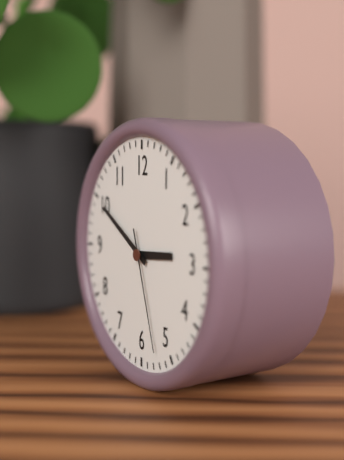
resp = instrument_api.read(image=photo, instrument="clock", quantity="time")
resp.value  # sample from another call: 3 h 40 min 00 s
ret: 2 h 50 min 27 s
